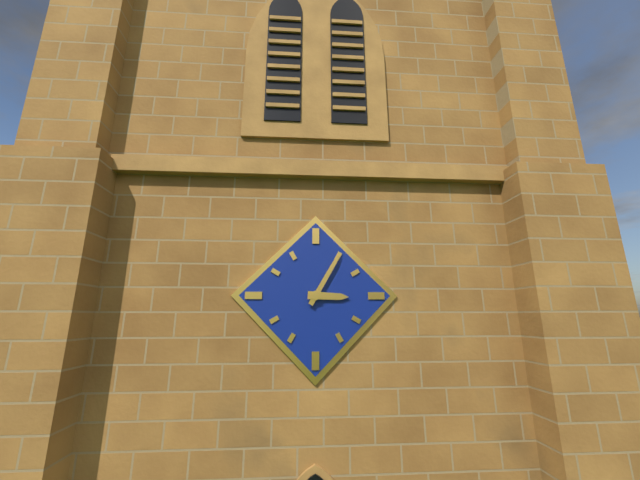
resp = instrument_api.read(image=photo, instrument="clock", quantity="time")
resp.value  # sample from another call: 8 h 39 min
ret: 3 h 05 min
